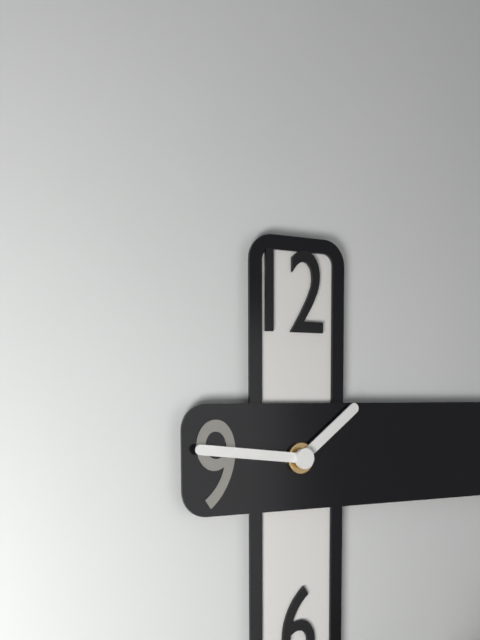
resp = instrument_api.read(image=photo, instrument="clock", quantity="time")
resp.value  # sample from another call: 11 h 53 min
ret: 1 h 46 min
